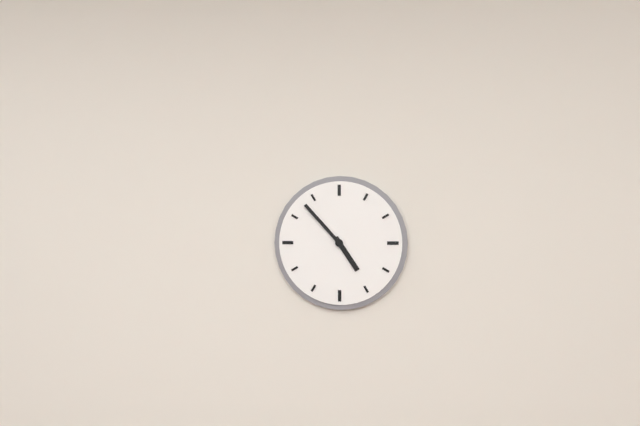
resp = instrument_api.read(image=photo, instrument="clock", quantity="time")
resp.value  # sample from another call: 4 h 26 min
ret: 4 h 53 min
